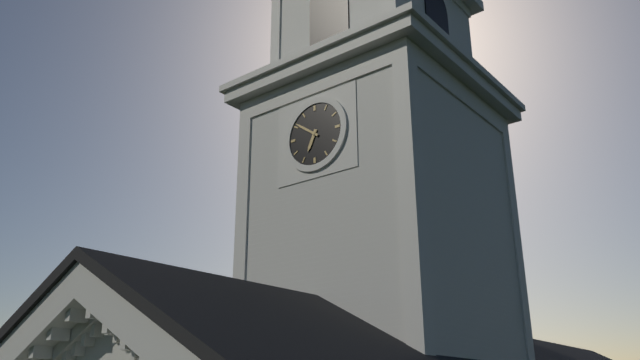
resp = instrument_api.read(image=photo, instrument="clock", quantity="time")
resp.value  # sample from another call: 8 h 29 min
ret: 6 h 51 min
